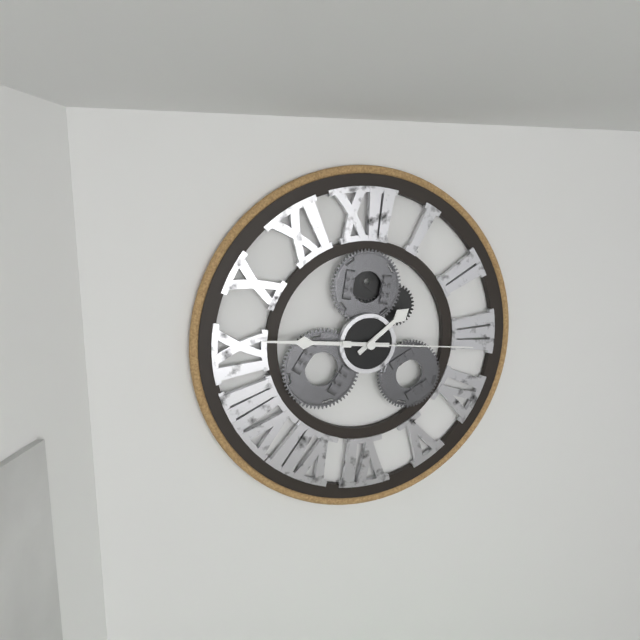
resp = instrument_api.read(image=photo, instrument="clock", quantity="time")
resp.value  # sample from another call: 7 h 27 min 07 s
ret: 1 h 46 min 16 s
